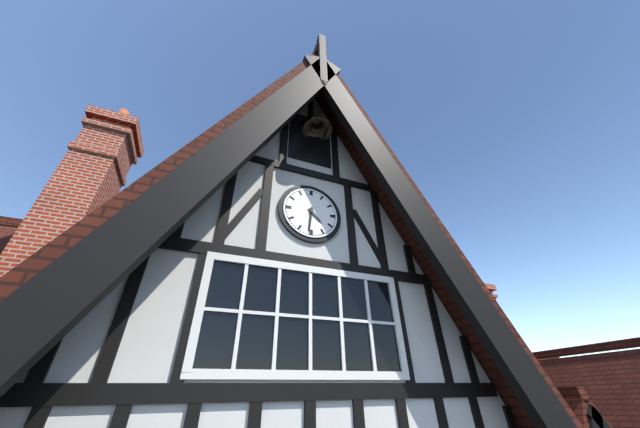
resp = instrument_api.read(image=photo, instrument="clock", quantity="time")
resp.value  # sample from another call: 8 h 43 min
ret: 4 h 31 min
